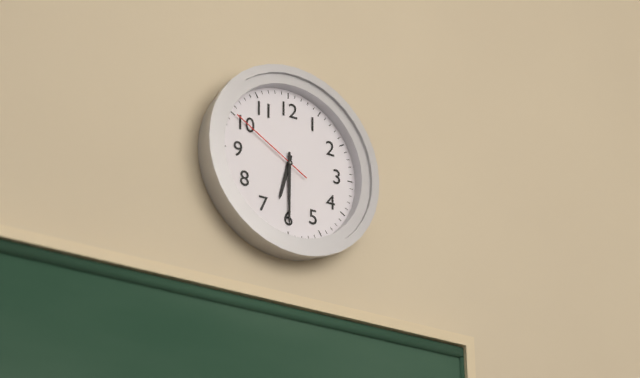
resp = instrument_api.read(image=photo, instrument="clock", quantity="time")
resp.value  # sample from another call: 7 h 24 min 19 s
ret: 6 h 30 min 50 s
